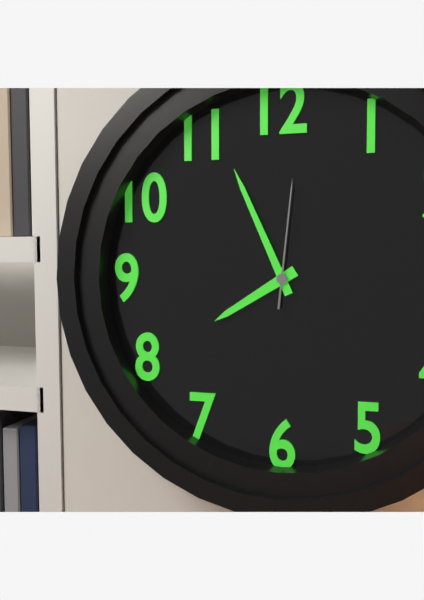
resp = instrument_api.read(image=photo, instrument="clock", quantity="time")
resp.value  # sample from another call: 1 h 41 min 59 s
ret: 7 h 56 min 01 s
